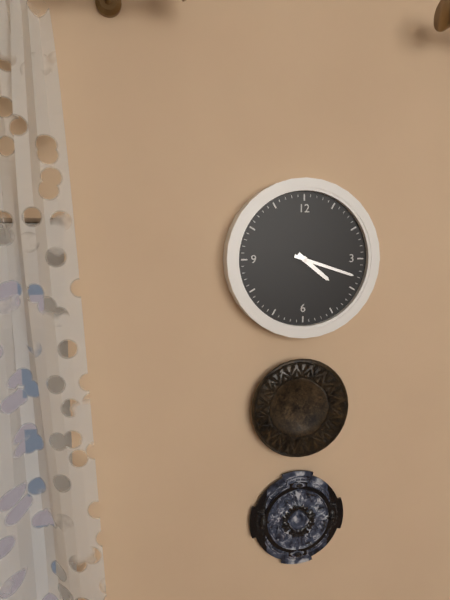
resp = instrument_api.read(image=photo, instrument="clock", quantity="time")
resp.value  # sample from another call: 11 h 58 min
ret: 4 h 18 min
